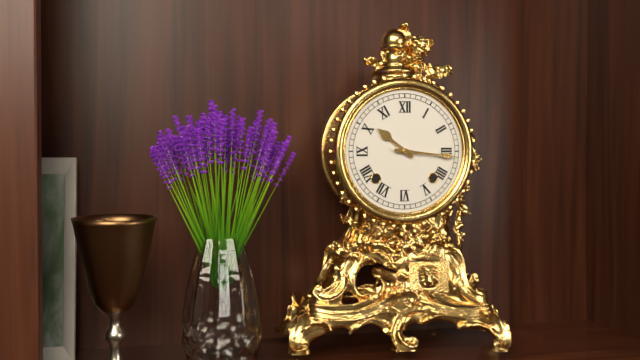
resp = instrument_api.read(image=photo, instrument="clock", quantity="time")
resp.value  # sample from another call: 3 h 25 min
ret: 10 h 16 min
